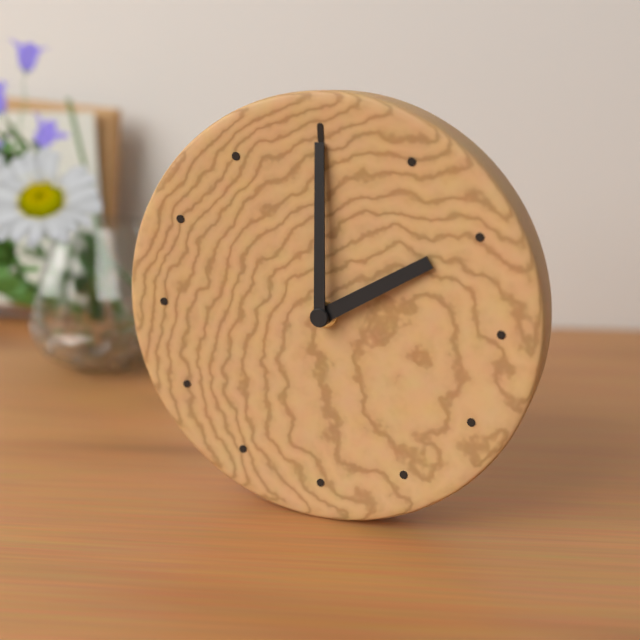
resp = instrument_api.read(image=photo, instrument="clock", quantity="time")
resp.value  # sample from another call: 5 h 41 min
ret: 2 h 00 min
